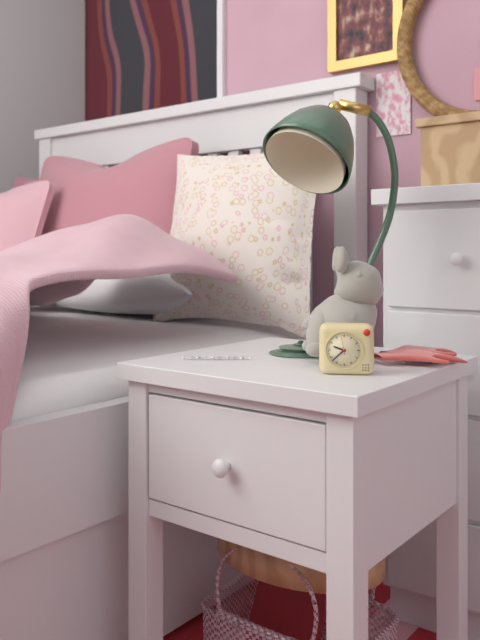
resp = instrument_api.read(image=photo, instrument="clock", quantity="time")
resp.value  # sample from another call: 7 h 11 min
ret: 9 h 38 min
